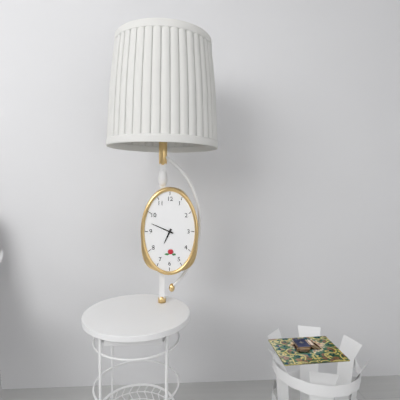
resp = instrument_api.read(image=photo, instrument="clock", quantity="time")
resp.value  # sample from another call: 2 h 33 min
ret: 6 h 49 min
